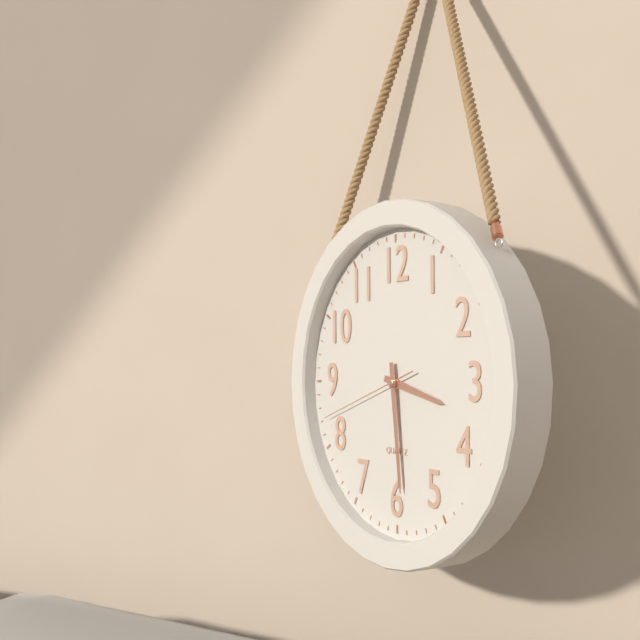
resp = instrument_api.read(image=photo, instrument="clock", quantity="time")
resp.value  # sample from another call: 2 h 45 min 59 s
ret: 3 h 29 min 42 s
